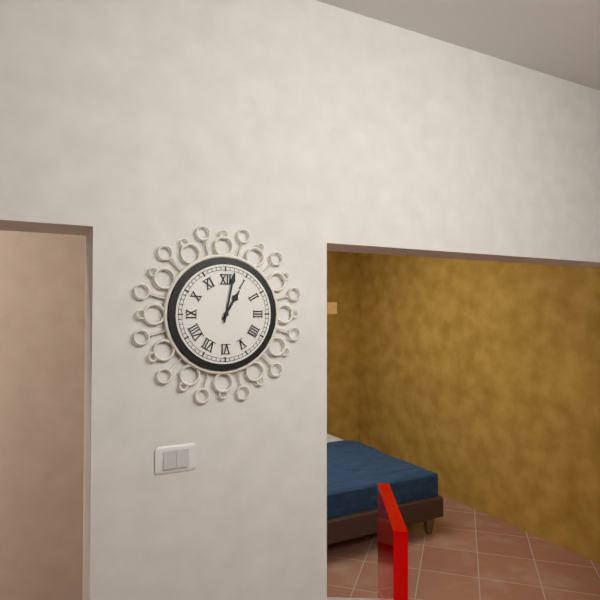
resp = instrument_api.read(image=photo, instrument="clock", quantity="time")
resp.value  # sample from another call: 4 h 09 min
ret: 1 h 02 min
